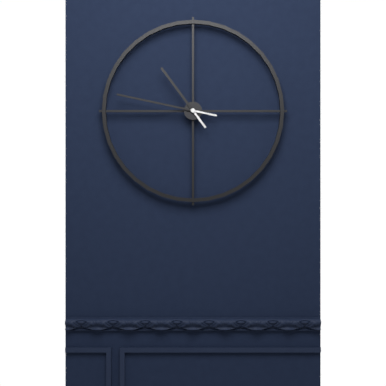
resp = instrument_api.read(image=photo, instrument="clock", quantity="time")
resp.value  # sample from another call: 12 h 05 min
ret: 10 h 47 min
